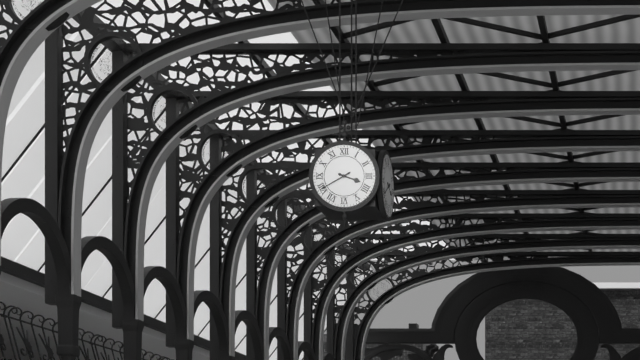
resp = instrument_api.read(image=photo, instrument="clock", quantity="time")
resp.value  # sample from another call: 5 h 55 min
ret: 3 h 40 min
